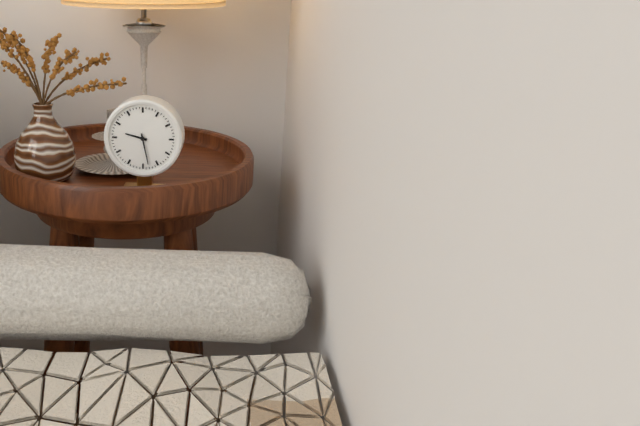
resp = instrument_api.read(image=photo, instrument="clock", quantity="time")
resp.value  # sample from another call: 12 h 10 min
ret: 9 h 28 min
